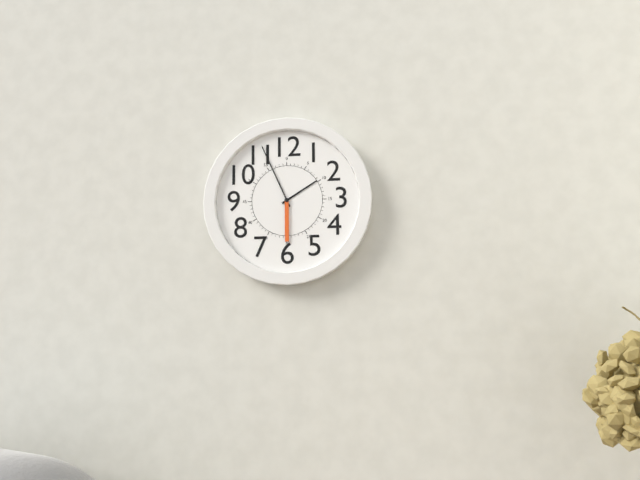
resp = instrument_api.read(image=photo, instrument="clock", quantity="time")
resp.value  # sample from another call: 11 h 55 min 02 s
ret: 1 h 56 min 30 s
